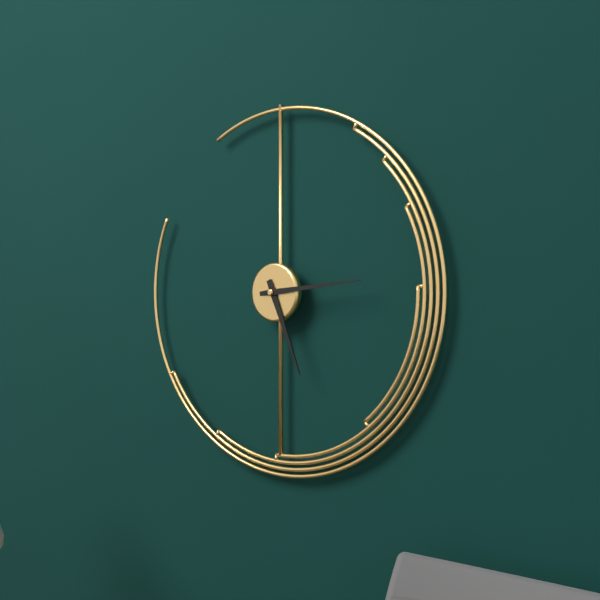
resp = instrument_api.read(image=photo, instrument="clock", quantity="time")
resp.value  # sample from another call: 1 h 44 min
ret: 5 h 14 min
